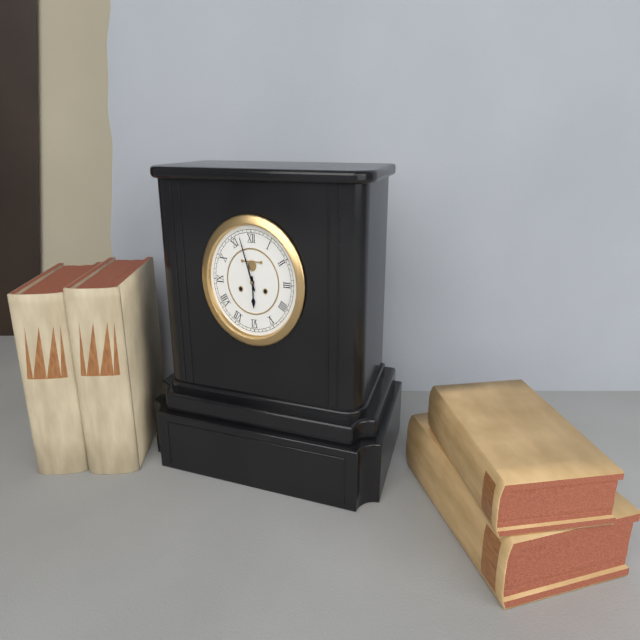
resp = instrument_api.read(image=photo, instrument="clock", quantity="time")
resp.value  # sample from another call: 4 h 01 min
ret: 5 h 57 min
